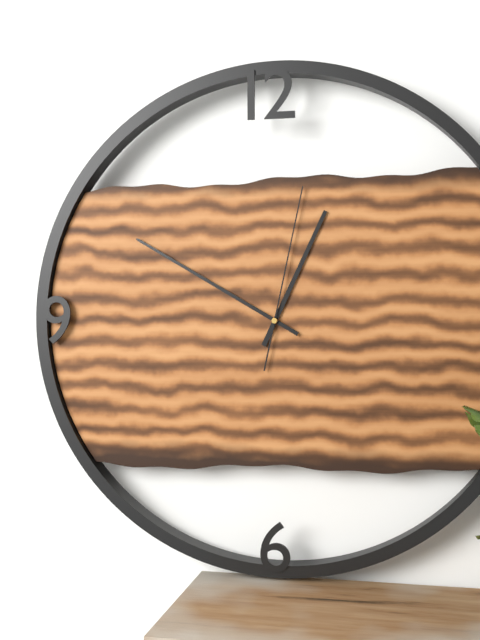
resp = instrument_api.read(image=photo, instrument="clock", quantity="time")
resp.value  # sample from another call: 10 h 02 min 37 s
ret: 12 h 50 min 02 s
